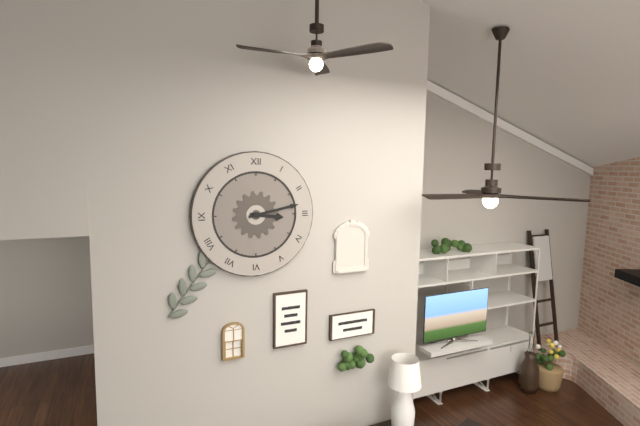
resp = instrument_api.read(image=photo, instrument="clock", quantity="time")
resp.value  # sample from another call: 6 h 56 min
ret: 3 h 13 min
